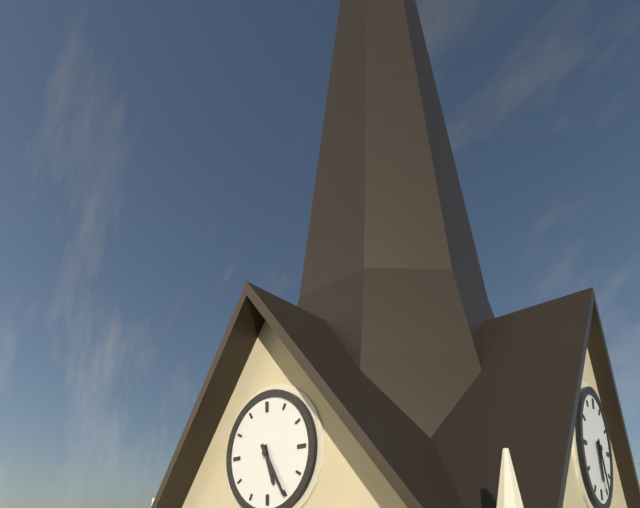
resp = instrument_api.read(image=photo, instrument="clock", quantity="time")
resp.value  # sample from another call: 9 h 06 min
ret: 5 h 25 min
